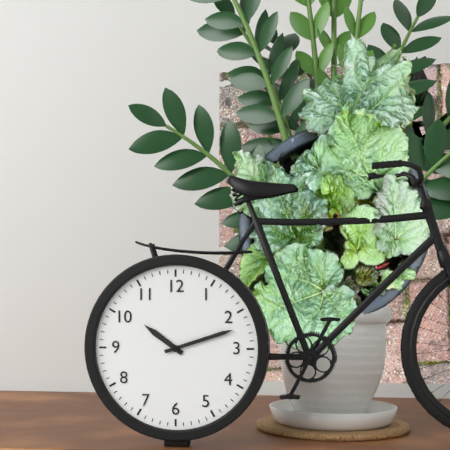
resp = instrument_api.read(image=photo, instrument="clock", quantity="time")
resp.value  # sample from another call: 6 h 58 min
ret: 10 h 12 min
